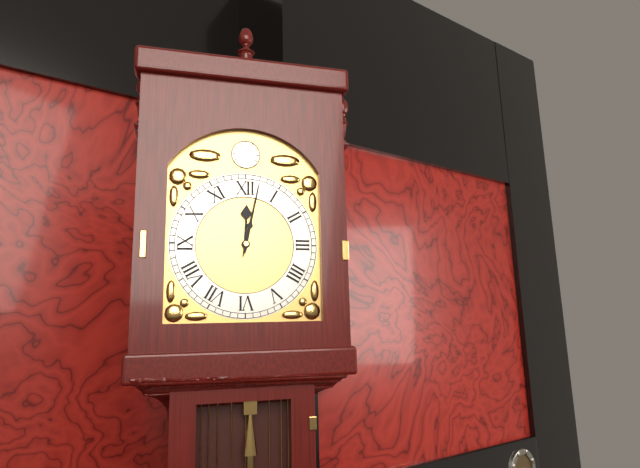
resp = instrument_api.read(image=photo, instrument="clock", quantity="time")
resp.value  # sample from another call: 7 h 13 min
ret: 12 h 02 min
